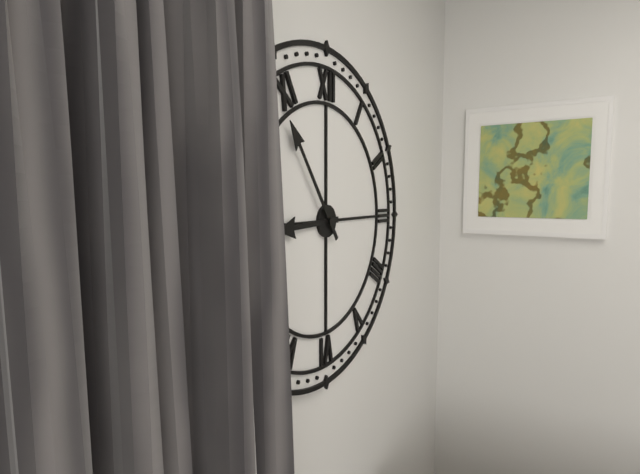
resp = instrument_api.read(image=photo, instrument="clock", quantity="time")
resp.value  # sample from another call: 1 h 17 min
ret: 8 h 54 min
